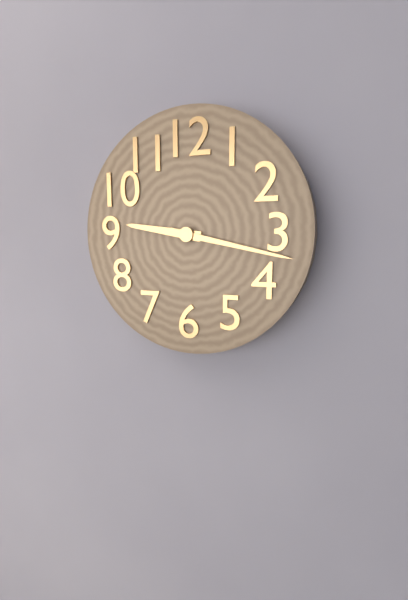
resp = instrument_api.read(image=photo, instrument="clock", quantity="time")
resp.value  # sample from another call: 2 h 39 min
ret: 9 h 17 min
